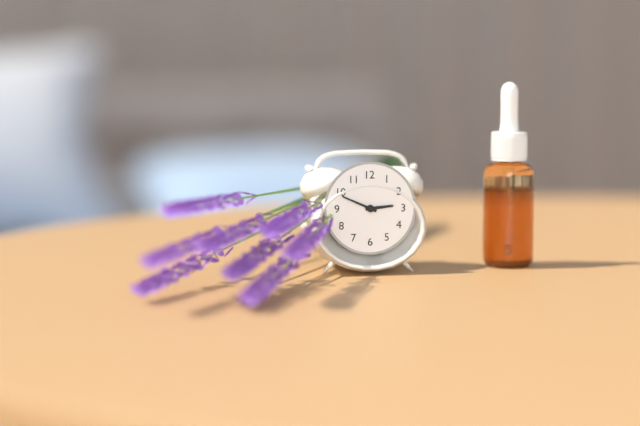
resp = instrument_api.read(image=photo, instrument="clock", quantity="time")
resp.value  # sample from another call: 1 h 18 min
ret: 2 h 49 min
